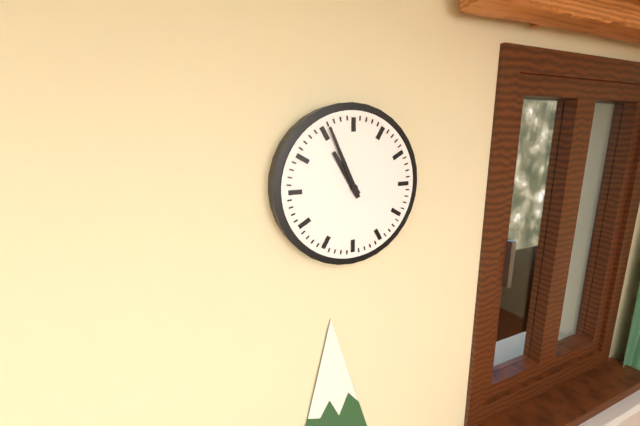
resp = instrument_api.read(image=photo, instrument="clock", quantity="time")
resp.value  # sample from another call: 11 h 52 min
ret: 10 h 56 min
